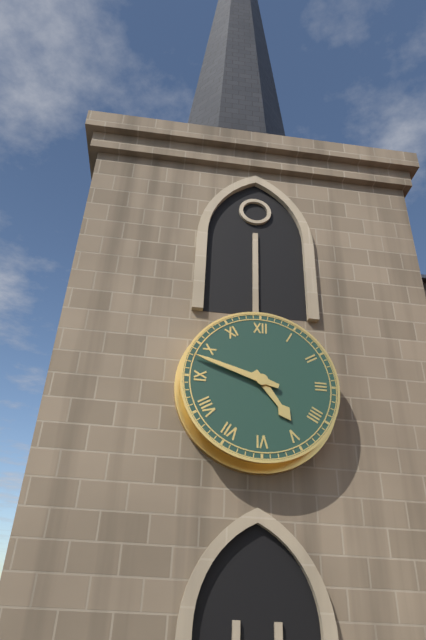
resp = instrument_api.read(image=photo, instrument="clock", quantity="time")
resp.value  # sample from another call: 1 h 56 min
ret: 4 h 48 min
